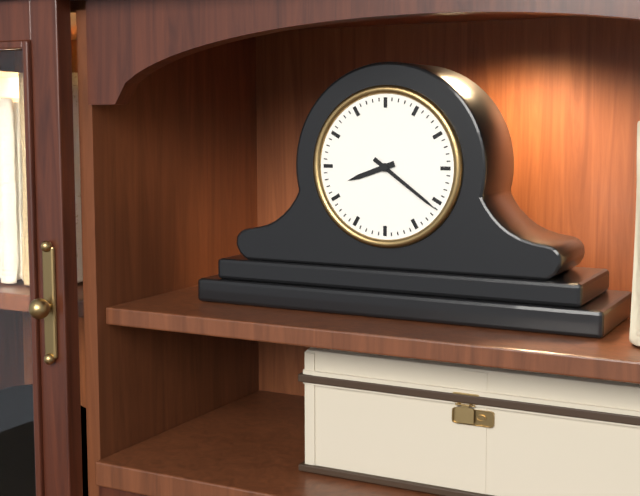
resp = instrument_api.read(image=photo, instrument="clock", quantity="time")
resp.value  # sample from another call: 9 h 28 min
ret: 8 h 21 min
